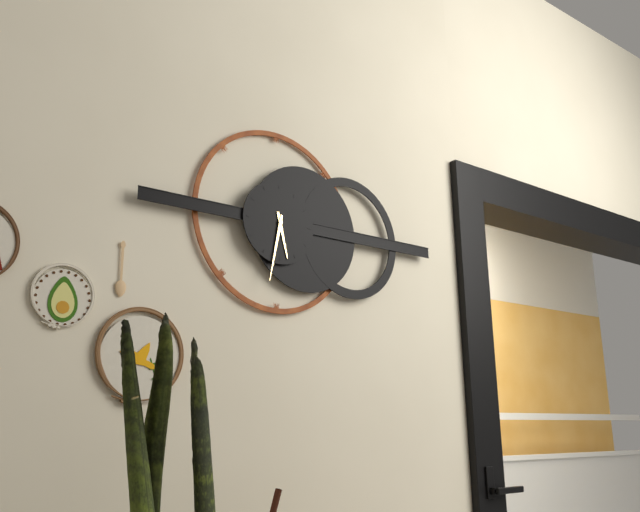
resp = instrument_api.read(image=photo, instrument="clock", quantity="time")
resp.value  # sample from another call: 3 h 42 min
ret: 5 h 32 min
